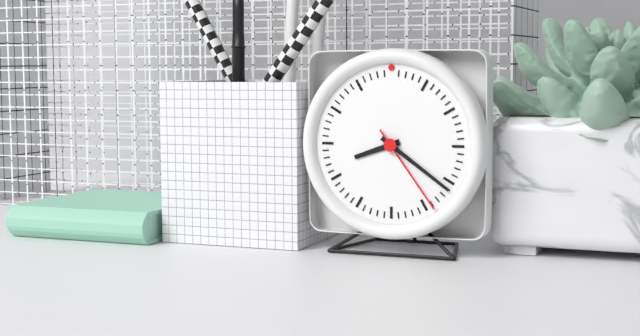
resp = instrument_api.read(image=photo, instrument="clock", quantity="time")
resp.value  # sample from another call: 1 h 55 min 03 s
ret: 8 h 21 min 24 s
